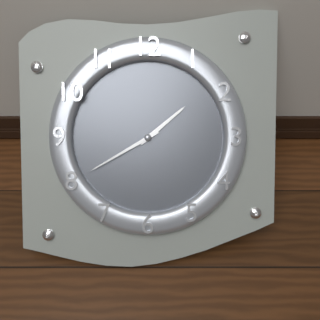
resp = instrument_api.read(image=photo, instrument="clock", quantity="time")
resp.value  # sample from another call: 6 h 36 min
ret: 1 h 40 min
